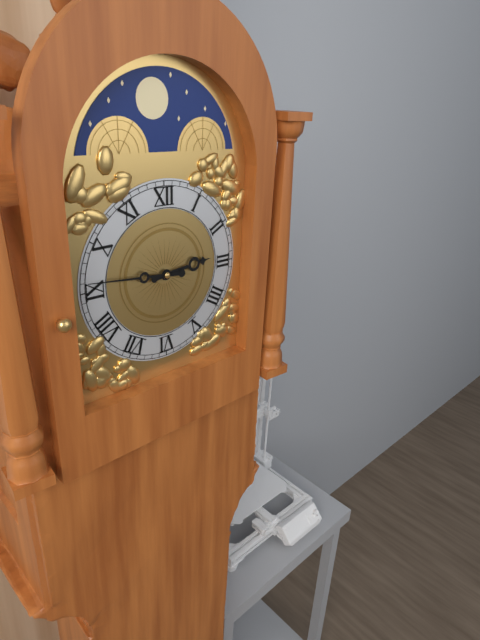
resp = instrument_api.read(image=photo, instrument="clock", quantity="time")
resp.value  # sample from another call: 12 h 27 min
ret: 2 h 46 min
